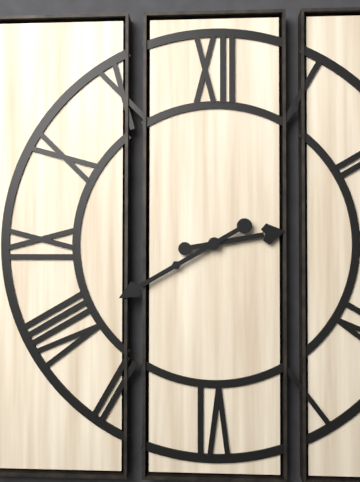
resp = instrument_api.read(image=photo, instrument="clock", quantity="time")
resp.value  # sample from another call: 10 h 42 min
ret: 2 h 40 min
